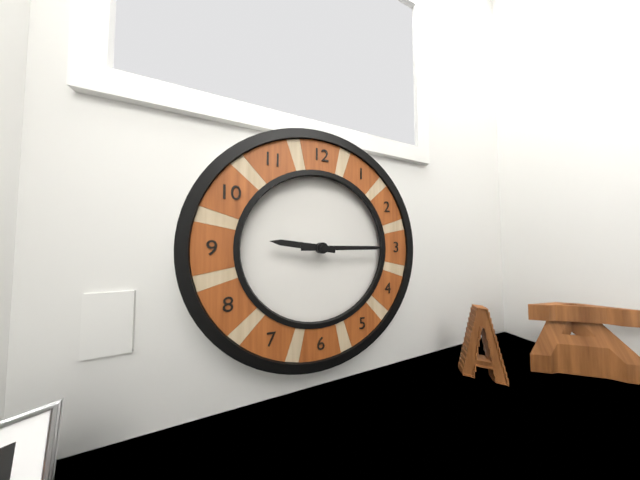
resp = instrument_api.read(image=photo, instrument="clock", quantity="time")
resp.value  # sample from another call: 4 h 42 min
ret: 9 h 15 min
